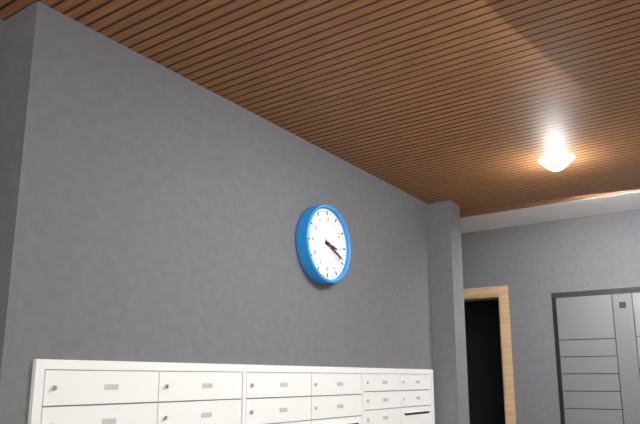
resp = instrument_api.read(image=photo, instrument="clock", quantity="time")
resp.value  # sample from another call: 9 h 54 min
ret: 3 h 19 min
